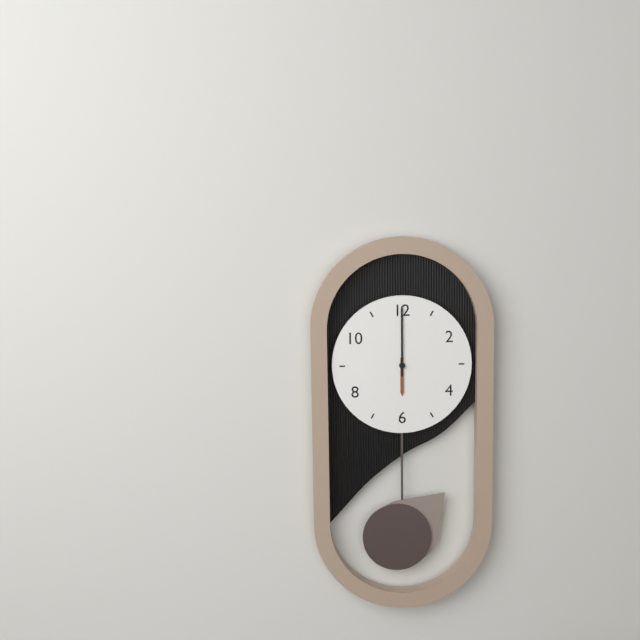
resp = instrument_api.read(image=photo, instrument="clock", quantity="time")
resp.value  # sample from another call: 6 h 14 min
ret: 6 h 00 min
